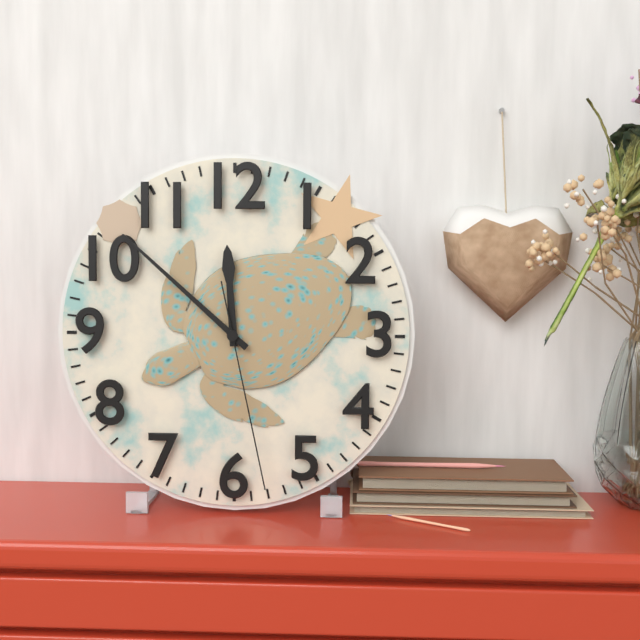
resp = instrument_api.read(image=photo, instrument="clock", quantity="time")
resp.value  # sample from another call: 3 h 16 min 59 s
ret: 11 h 52 min 28 s
